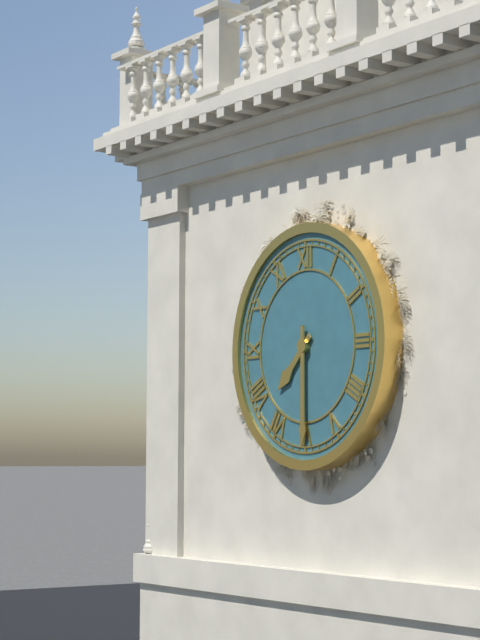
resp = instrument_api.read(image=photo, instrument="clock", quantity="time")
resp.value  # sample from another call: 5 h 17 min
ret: 7 h 30 min
